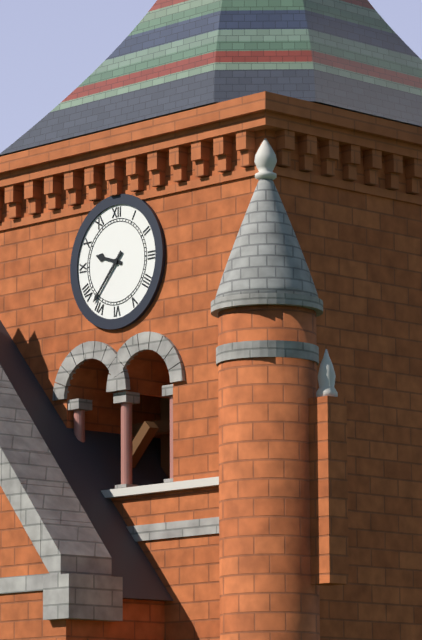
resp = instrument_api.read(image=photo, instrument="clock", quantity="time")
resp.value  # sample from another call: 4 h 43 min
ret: 9 h 37 min
